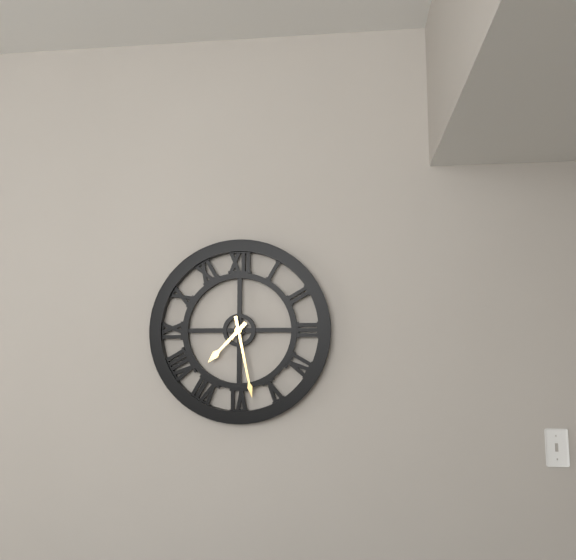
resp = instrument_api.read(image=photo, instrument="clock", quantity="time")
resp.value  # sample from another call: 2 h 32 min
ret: 7 h 28 min
